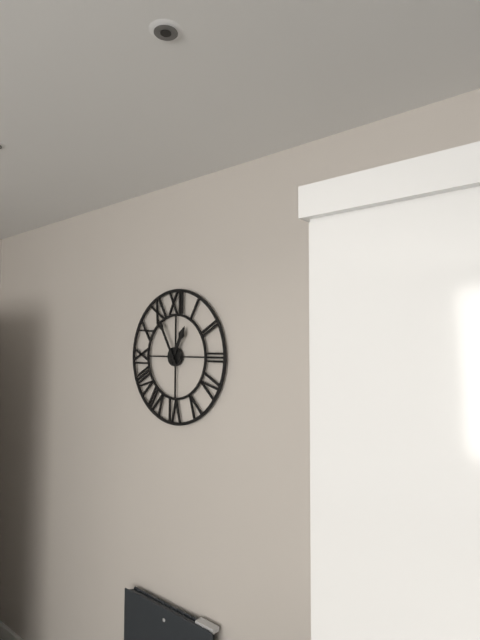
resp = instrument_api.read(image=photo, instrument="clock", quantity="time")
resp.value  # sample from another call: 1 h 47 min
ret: 12 h 55 min
